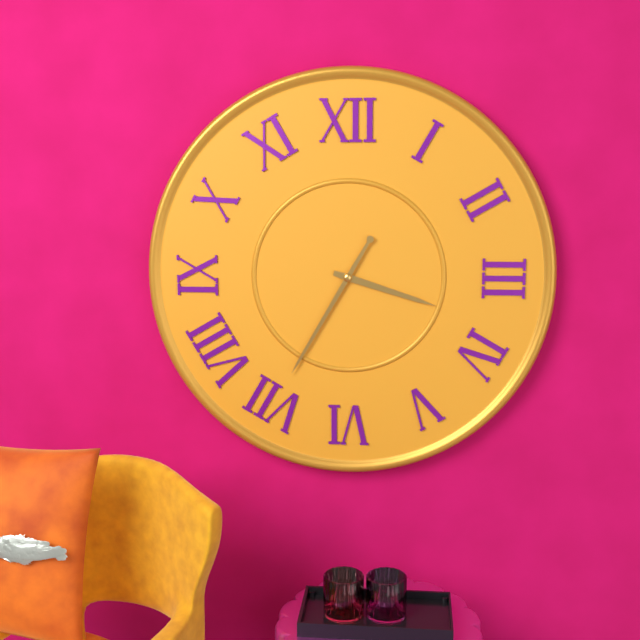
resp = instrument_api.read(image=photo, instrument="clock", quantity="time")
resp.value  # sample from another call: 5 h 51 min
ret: 3 h 35 min
